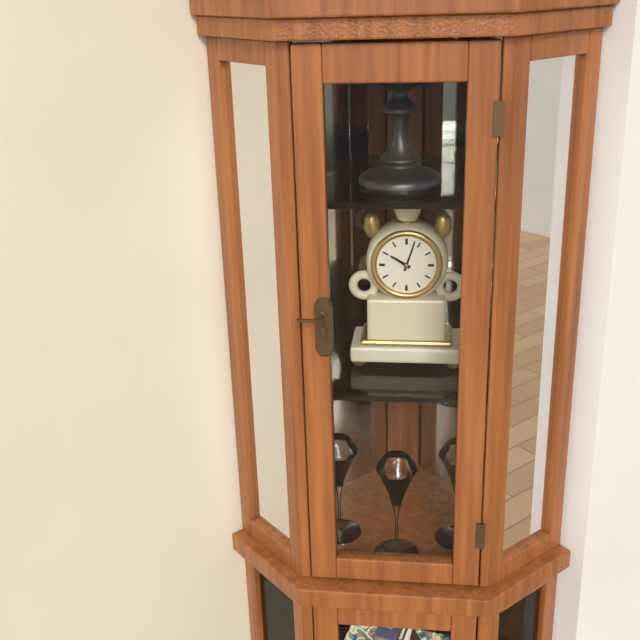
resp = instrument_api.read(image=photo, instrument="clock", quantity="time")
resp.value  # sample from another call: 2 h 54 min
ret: 10 h 03 min
